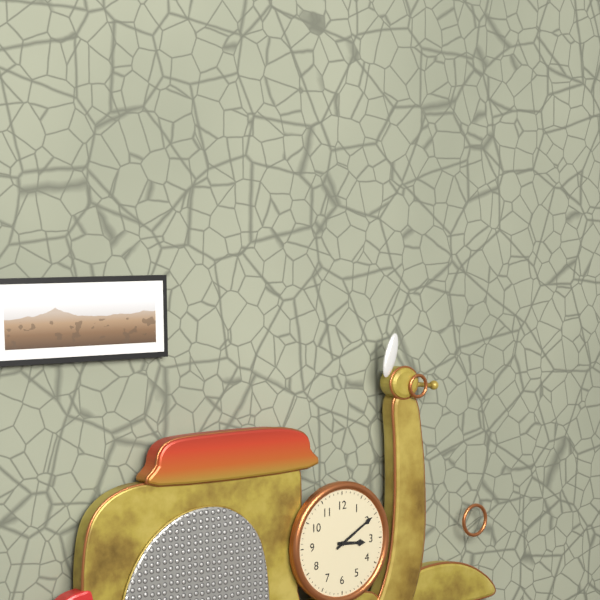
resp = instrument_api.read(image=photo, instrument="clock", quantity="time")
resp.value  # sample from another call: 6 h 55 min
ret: 3 h 10 min
